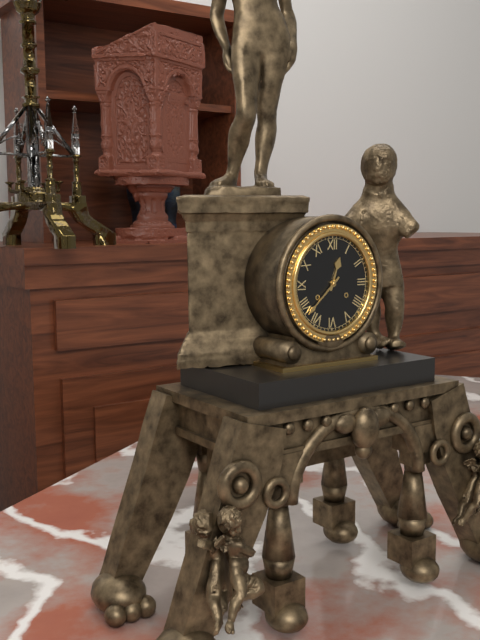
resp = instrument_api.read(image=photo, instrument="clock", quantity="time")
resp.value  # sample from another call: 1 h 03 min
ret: 12 h 38 min
